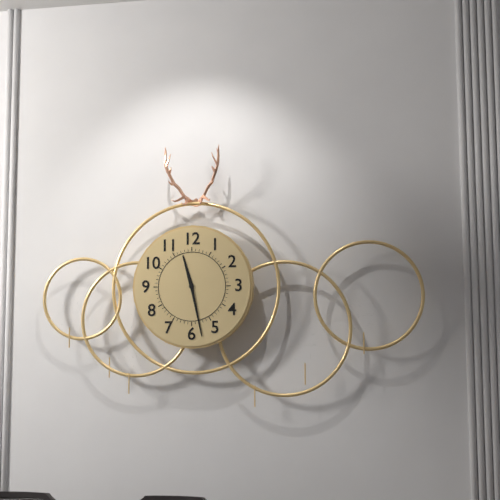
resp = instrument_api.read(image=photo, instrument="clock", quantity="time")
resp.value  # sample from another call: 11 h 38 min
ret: 11 h 28 min
